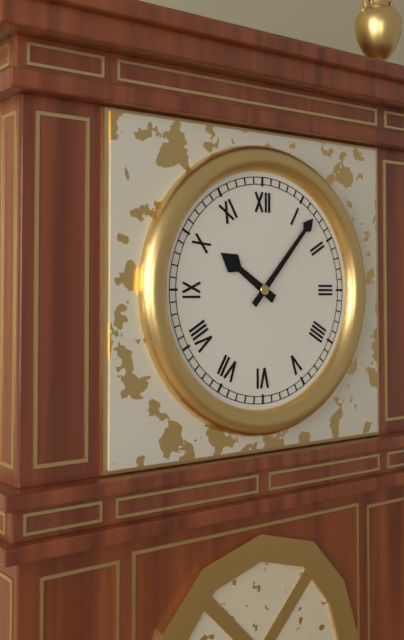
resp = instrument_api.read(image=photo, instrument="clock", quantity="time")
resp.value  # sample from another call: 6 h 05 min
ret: 10 h 07 min
